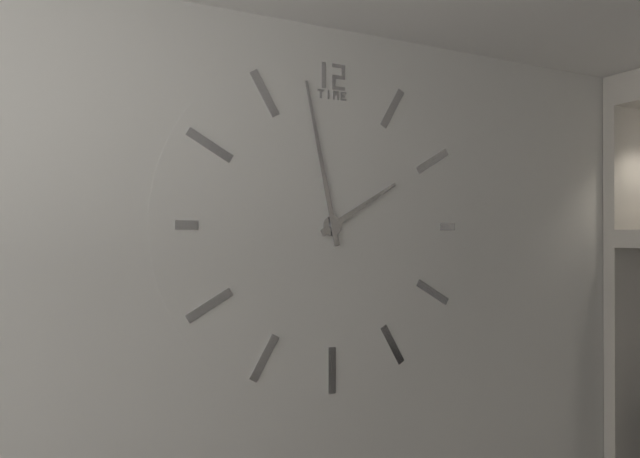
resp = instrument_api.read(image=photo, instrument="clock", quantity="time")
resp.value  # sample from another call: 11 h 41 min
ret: 1 h 58 min
